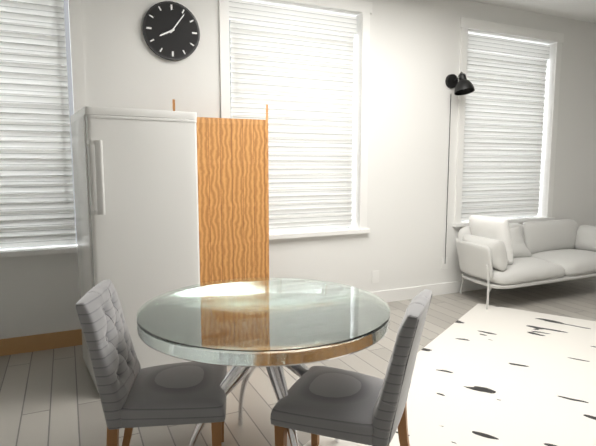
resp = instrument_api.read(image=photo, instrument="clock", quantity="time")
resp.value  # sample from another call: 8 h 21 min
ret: 8 h 06 min
